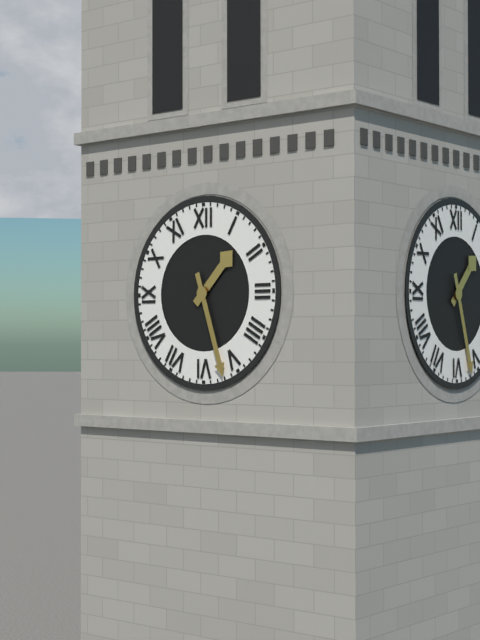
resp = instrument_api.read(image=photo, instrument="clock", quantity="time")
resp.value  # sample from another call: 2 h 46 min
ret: 1 h 27 min
